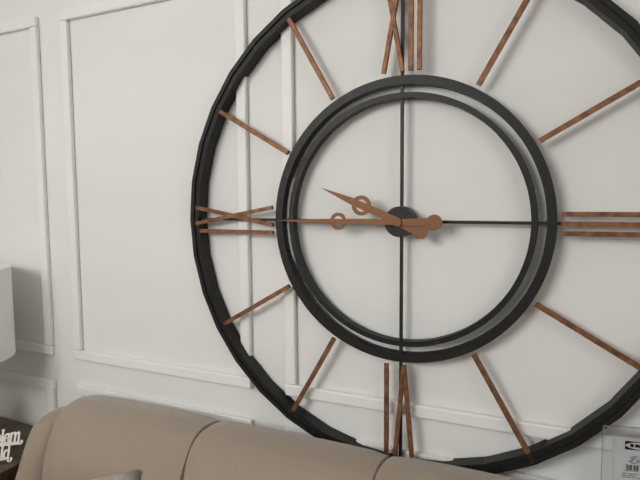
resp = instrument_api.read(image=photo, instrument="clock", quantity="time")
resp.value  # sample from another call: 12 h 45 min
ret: 9 h 45 min
